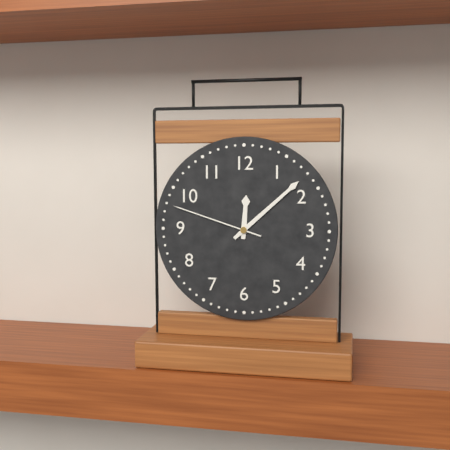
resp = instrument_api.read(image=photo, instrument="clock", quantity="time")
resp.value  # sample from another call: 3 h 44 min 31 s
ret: 12 h 08 min 48 s
